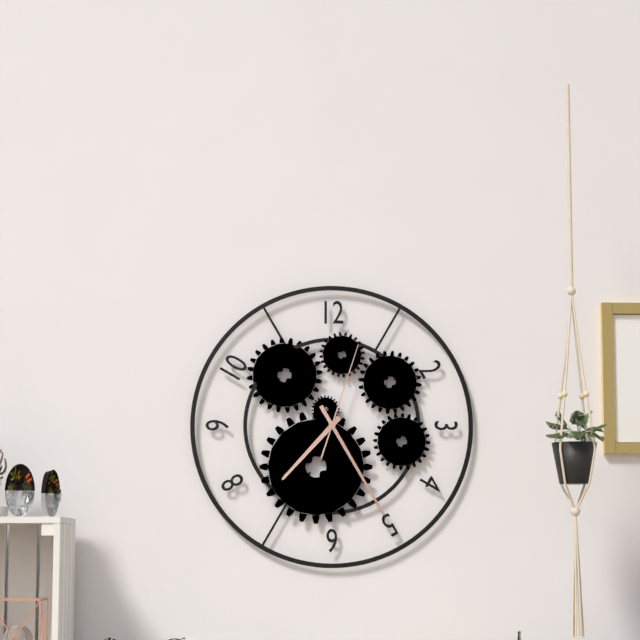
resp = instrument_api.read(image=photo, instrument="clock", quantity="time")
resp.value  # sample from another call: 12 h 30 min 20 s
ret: 7 h 25 min 03 s
